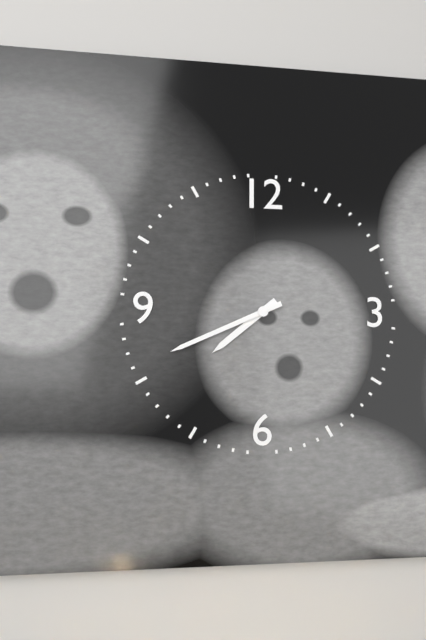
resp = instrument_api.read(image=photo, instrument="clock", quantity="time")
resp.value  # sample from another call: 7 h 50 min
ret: 7 h 41 min
